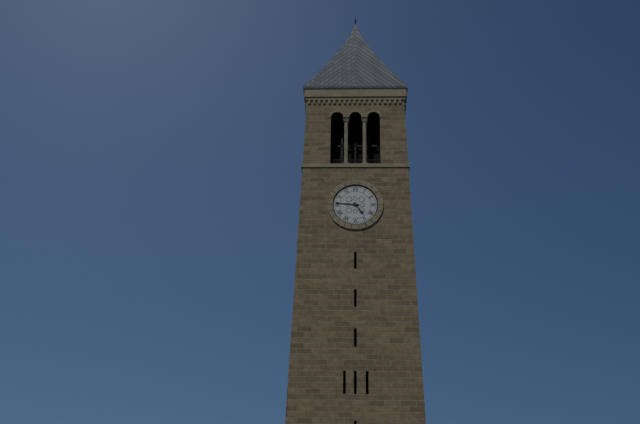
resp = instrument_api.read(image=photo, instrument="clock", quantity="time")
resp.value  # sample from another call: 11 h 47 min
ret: 4 h 46 min
